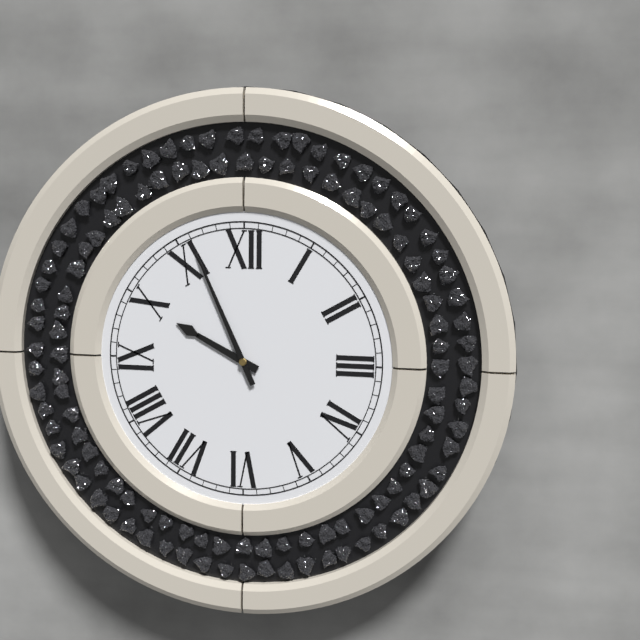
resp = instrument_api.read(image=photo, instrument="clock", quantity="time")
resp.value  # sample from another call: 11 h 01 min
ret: 9 h 56 min
